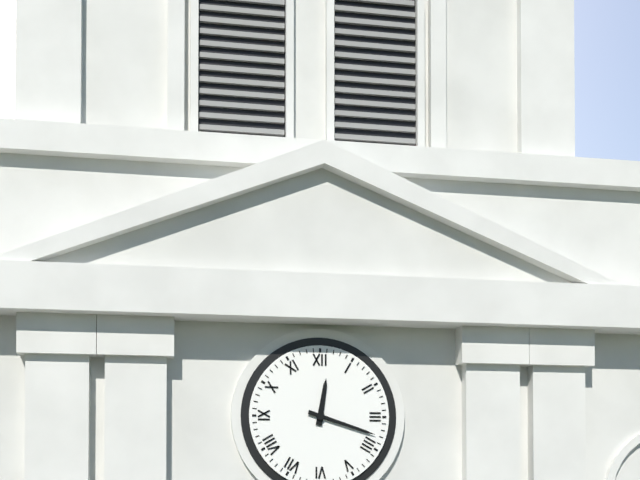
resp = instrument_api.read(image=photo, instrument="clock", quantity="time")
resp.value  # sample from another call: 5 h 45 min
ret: 12 h 18 min
